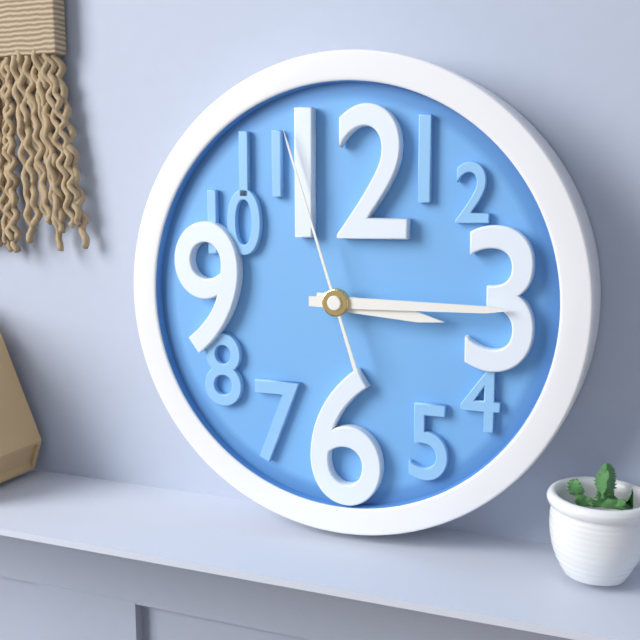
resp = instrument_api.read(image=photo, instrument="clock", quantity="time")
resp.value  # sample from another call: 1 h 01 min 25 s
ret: 3 h 15 min 57 s
